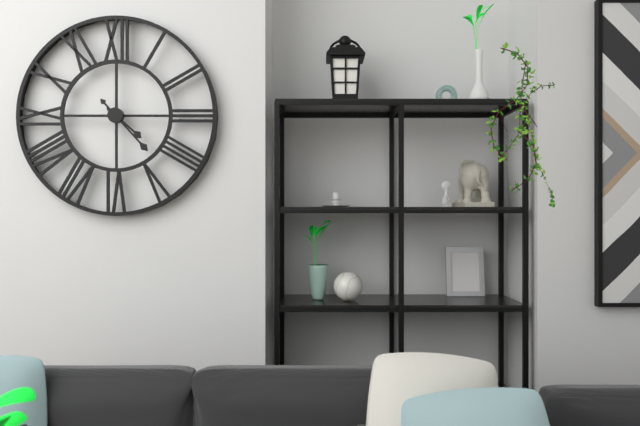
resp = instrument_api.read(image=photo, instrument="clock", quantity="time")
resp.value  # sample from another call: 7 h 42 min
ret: 4 h 23 min
